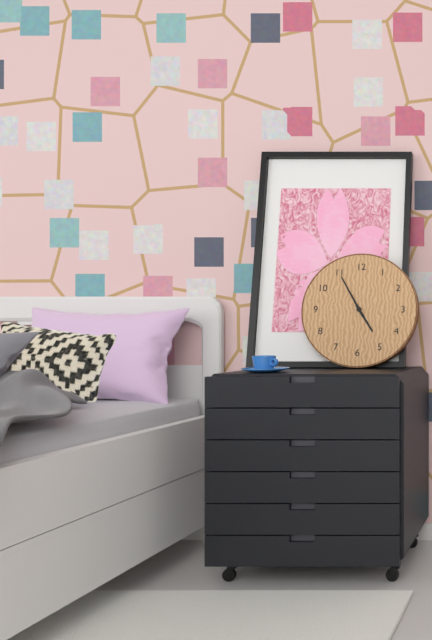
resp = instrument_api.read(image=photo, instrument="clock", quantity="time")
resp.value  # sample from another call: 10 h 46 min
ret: 4 h 55 min
